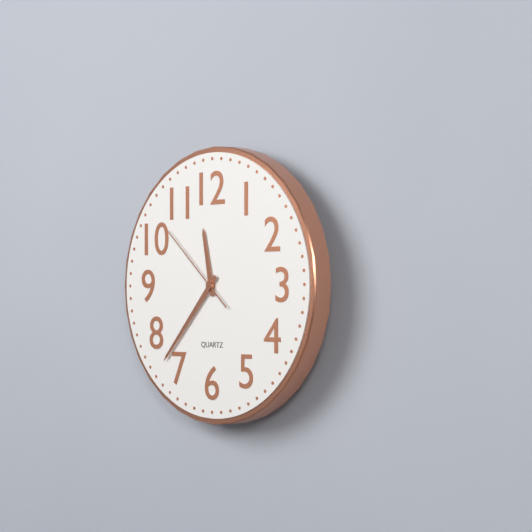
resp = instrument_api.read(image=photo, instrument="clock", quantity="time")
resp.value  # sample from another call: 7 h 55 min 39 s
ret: 11 h 37 min 52 s
